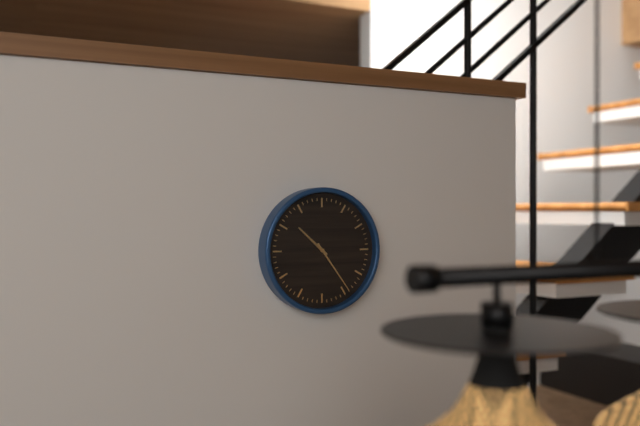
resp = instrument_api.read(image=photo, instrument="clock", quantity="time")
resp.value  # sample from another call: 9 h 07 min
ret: 10 h 24 min
